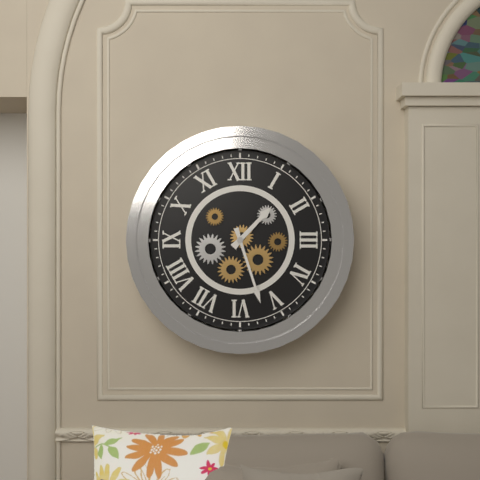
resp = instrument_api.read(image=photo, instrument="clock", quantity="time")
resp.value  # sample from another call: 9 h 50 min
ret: 1 h 27 min
